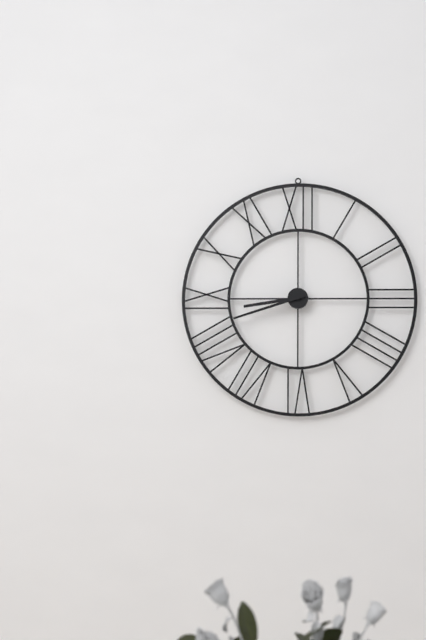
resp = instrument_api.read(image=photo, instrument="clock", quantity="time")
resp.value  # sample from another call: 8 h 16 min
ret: 8 h 42 min
